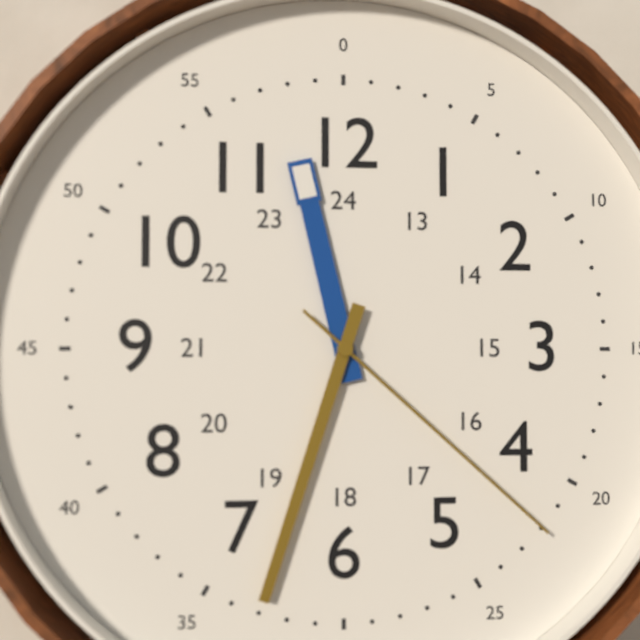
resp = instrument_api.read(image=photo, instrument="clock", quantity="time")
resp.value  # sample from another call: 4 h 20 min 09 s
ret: 11 h 33 min 22 s
